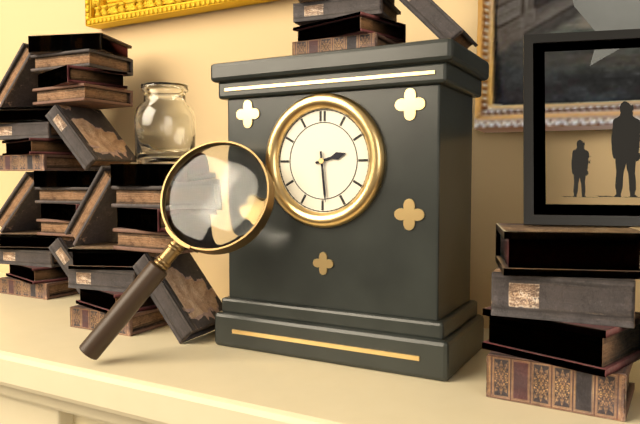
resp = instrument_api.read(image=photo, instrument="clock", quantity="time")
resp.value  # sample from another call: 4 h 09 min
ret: 2 h 29 min
